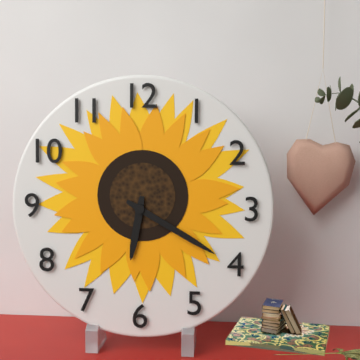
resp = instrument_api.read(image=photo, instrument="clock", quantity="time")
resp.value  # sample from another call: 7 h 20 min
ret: 6 h 20 min
